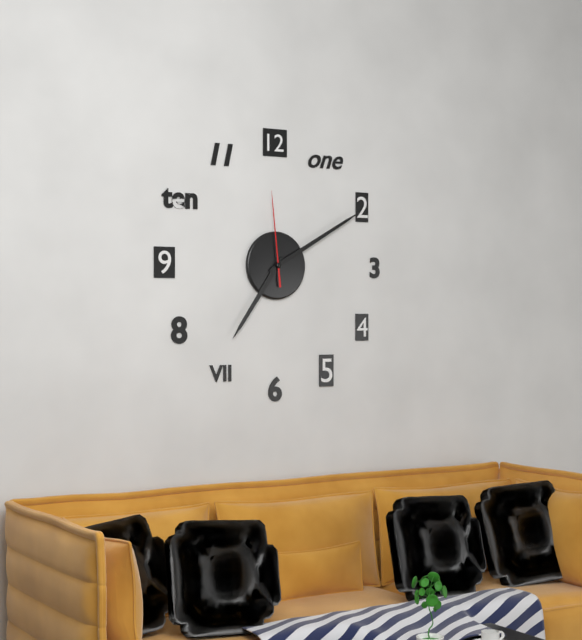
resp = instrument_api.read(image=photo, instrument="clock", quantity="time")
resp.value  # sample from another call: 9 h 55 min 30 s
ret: 7 h 10 min 59 s
